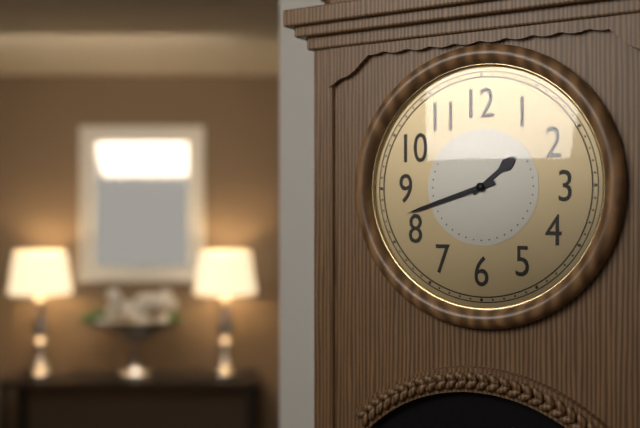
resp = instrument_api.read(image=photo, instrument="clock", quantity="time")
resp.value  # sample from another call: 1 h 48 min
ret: 1 h 42 min
